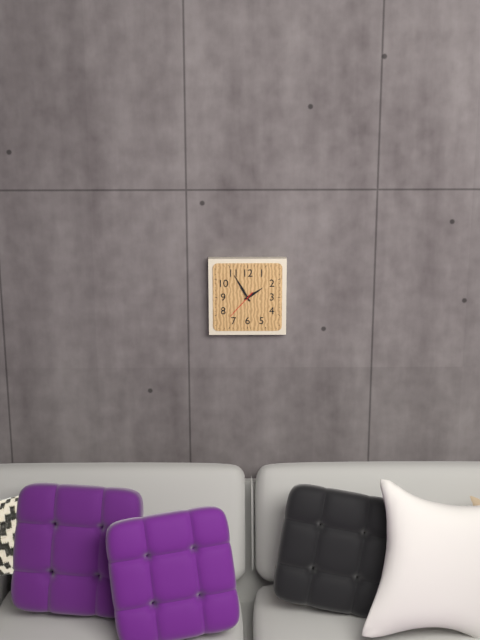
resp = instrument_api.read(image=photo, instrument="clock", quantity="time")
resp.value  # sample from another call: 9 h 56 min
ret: 1 h 55 min
